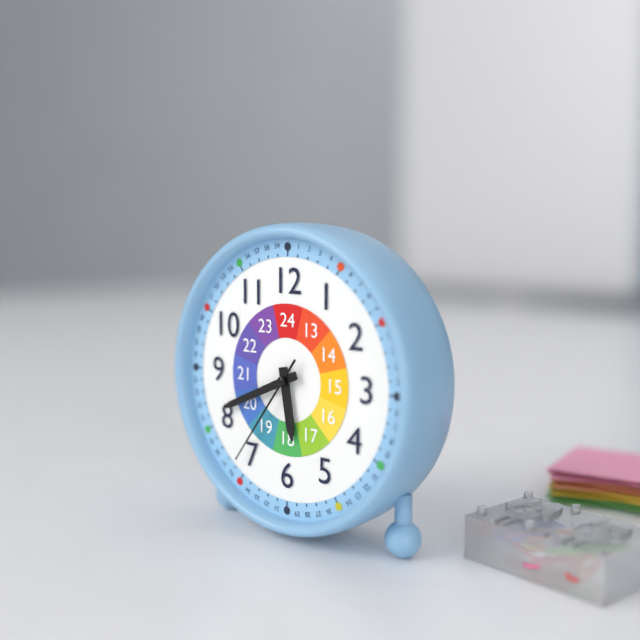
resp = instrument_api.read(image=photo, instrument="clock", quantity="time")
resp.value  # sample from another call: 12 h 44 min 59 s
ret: 5 h 41 min 36 s
